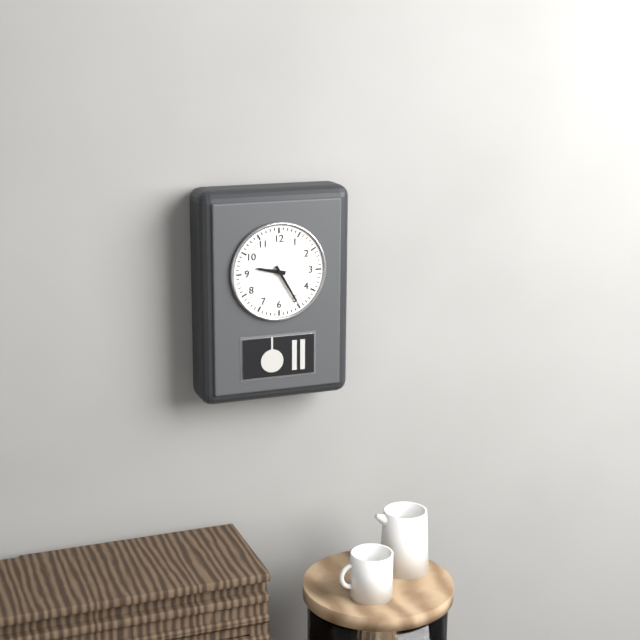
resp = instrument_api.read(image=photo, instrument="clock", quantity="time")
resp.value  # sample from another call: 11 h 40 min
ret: 9 h 25 min
